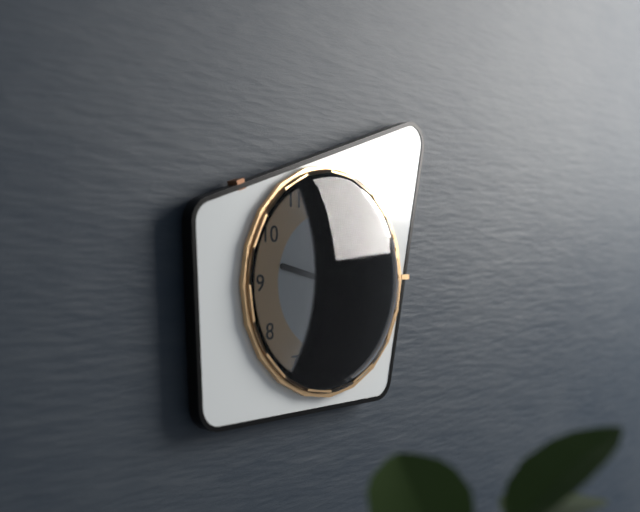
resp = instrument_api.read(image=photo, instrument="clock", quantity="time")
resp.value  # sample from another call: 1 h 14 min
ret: 9 h 28 min
